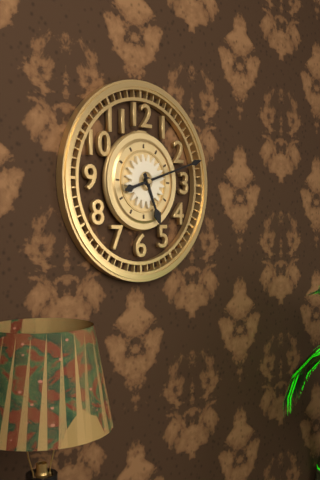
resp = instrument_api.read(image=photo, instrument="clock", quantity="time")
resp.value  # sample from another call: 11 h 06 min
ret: 5 h 12 min
